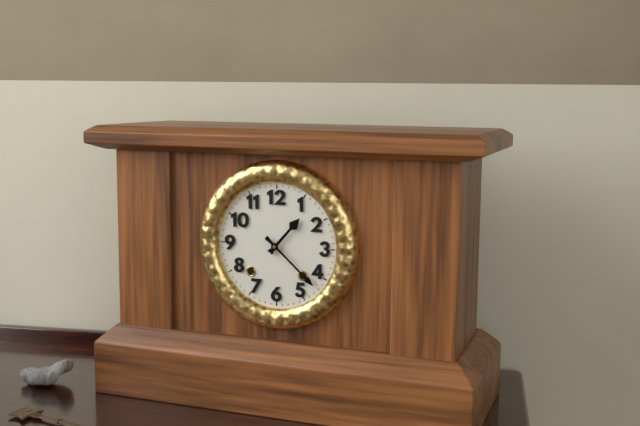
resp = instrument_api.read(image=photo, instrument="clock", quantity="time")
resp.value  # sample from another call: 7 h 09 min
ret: 1 h 22 min
